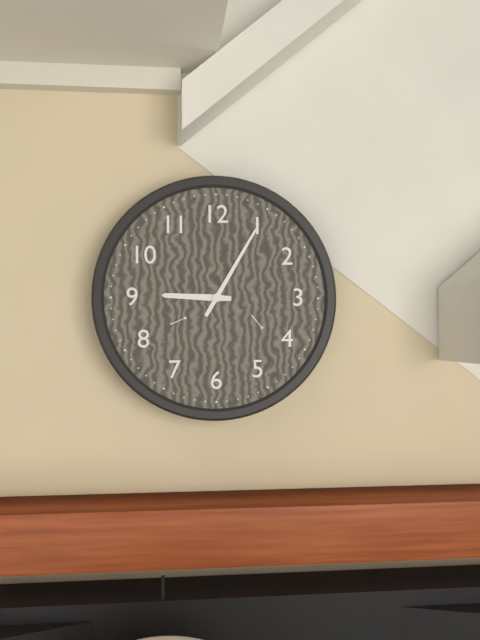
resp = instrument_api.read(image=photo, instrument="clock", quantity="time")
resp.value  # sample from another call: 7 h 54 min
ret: 9 h 05 min
